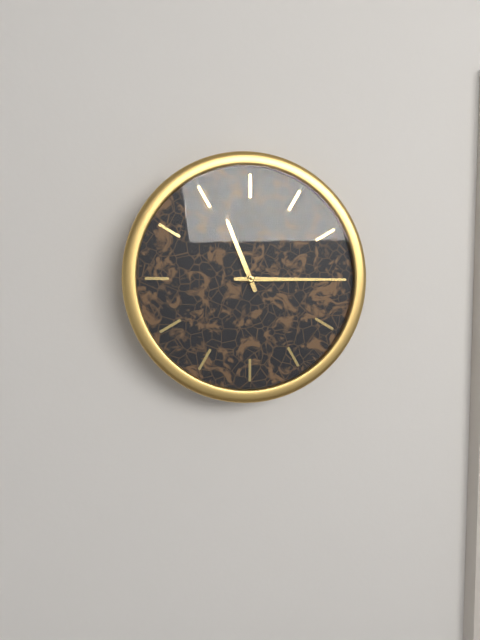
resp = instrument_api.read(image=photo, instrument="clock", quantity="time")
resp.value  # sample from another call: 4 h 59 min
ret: 11 h 15 min
